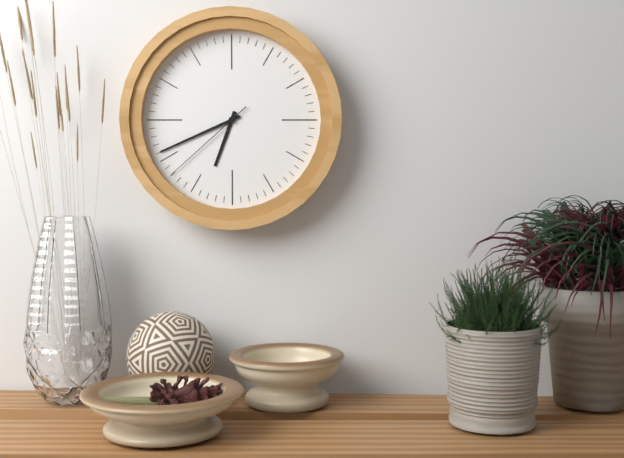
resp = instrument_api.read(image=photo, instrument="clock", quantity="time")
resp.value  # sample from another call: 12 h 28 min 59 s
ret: 6 h 41 min 38 s
